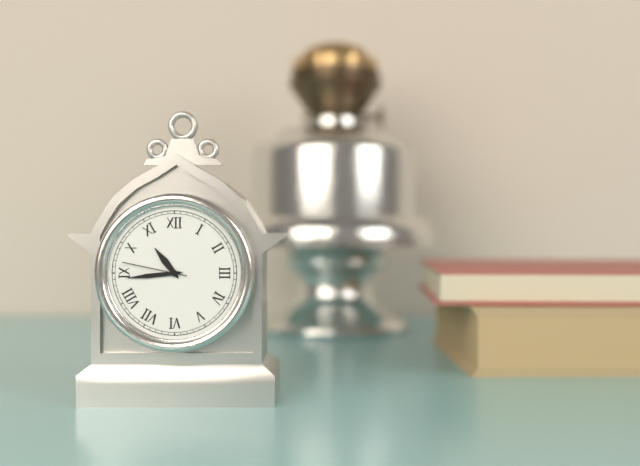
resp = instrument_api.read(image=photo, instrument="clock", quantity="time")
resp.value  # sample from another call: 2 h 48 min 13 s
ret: 10 h 44 min 47 s
